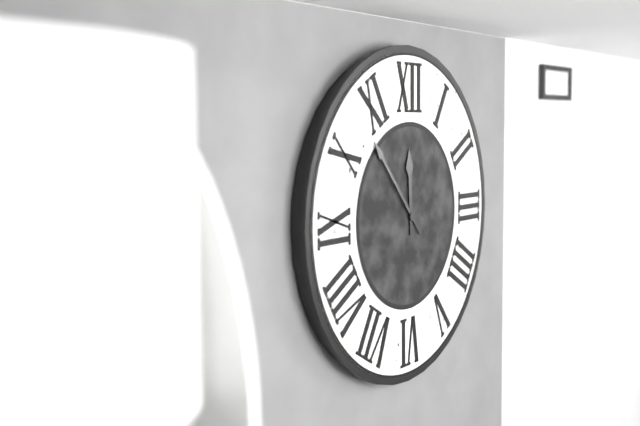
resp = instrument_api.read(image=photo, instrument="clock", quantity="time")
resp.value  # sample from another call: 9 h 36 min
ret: 11 h 53 min
